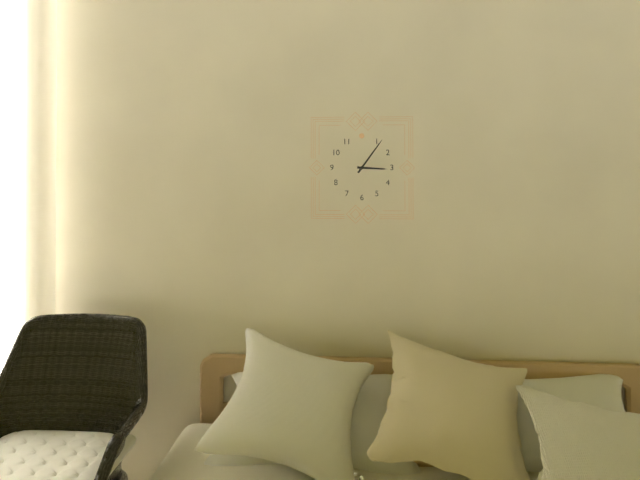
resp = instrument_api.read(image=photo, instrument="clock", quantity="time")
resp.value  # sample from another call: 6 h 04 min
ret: 3 h 06 min
